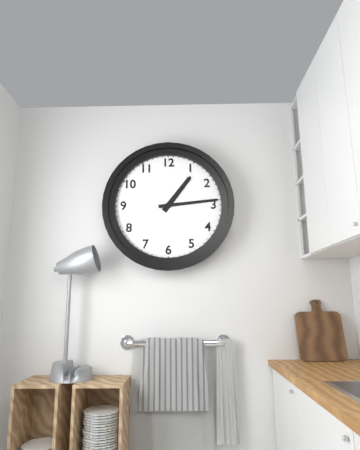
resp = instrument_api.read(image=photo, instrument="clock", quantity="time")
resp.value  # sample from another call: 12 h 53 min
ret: 1 h 14 min
